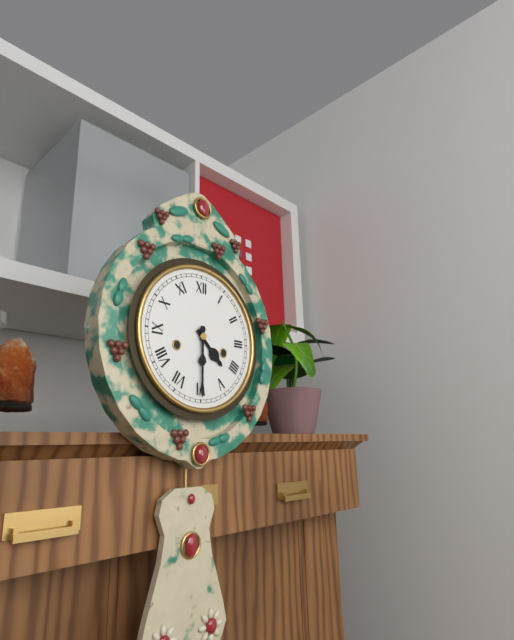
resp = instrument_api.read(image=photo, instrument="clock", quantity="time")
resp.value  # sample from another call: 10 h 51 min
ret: 4 h 30 min
